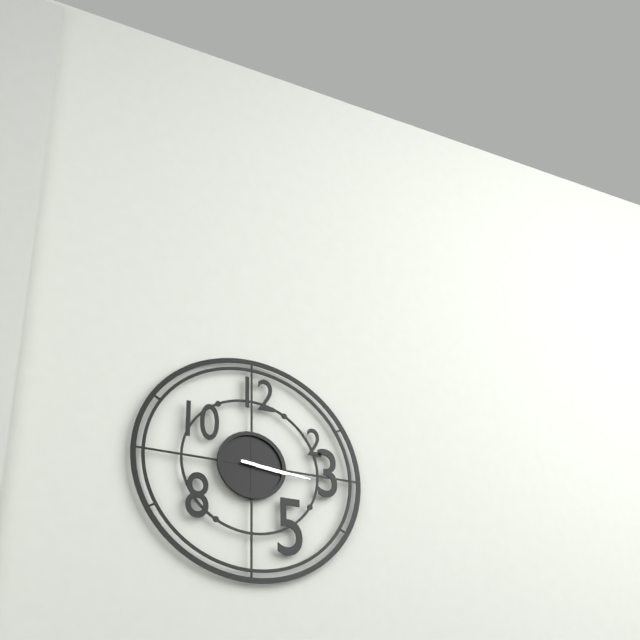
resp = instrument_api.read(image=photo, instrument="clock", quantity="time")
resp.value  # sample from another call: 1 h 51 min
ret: 3 h 16 min
